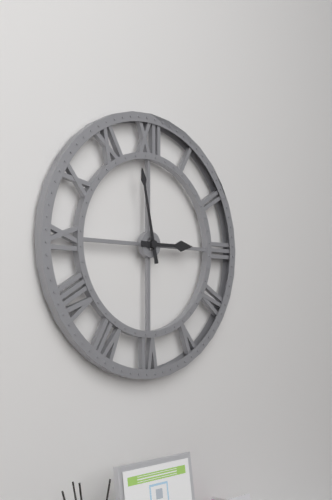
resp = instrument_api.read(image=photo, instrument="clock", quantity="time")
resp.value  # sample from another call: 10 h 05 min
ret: 2 h 58 min
